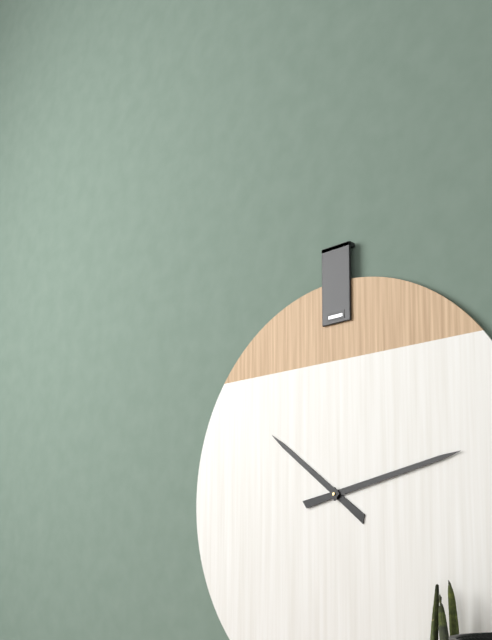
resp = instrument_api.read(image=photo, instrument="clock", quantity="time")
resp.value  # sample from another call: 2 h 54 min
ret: 10 h 13 min
